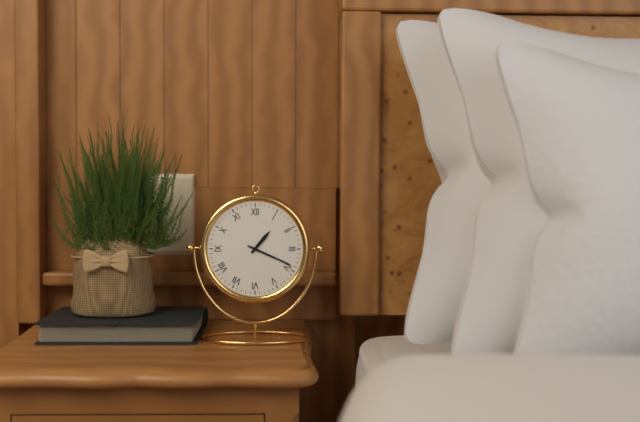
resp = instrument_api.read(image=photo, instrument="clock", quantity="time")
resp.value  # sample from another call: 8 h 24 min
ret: 1 h 19 min
